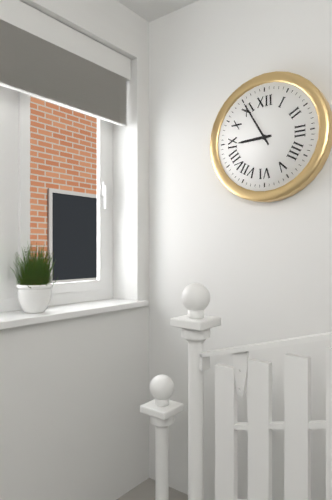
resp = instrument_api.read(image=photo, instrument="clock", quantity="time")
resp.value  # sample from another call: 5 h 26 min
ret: 8 h 55 min
